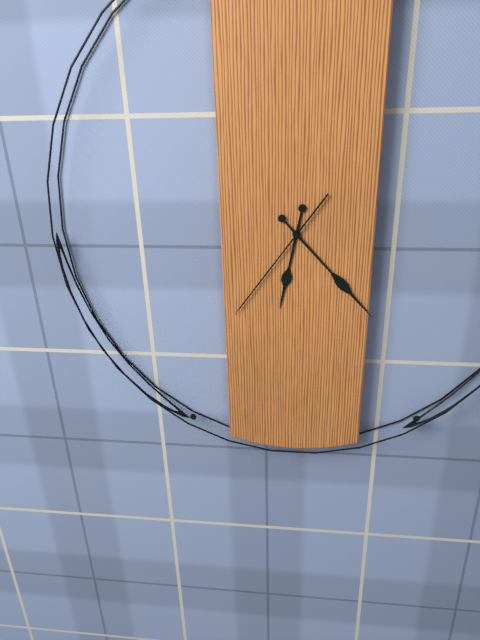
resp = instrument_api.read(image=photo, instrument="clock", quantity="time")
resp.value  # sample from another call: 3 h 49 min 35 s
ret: 6 h 23 min 36 s
